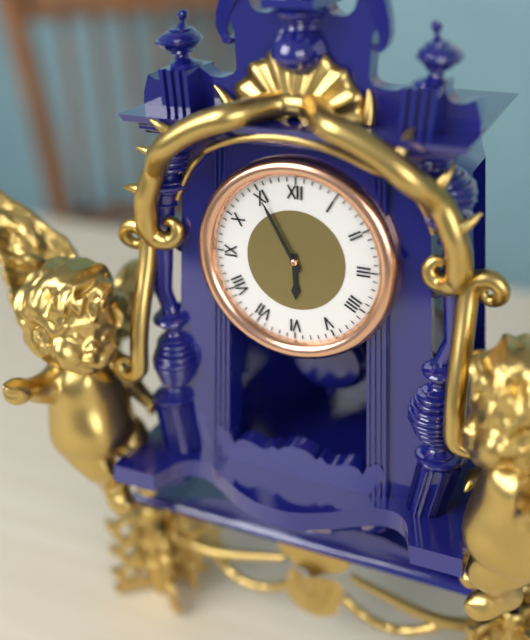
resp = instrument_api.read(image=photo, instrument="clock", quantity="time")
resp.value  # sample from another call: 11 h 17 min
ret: 5 h 55 min
